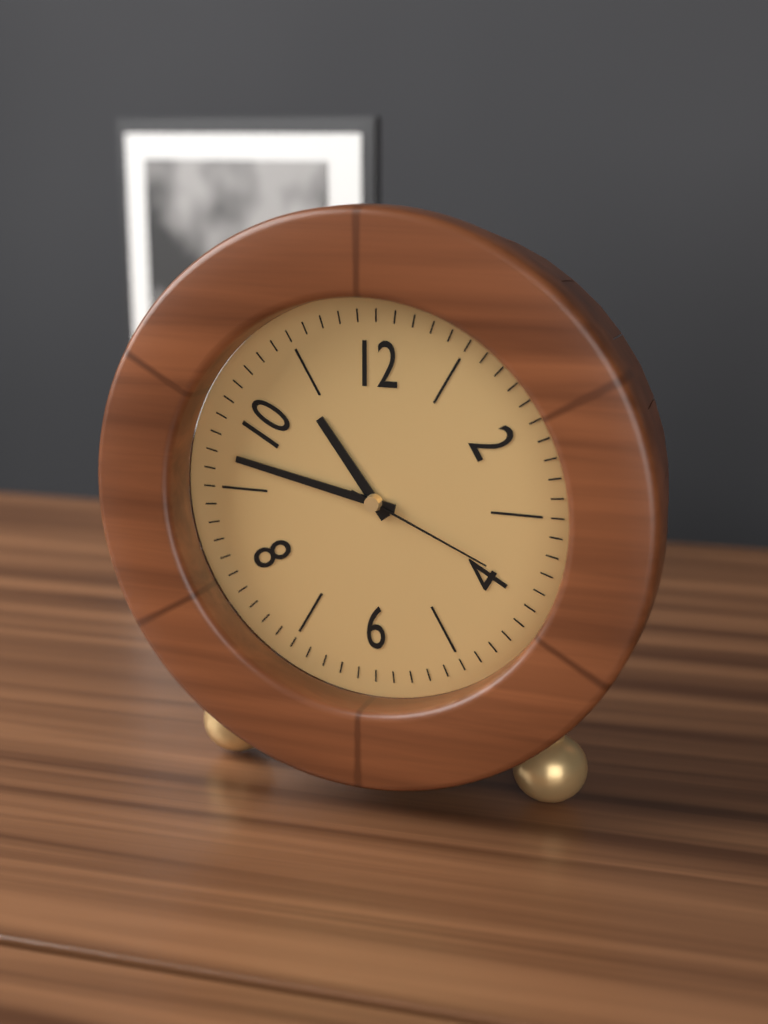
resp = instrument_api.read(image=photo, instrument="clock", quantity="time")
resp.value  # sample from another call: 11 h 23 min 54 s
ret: 10 h 47 min 19 s
